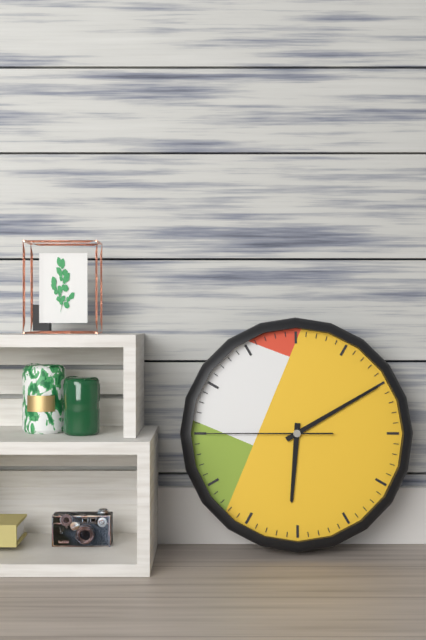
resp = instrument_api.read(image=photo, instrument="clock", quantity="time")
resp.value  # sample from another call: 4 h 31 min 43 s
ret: 6 h 10 min 45 s
